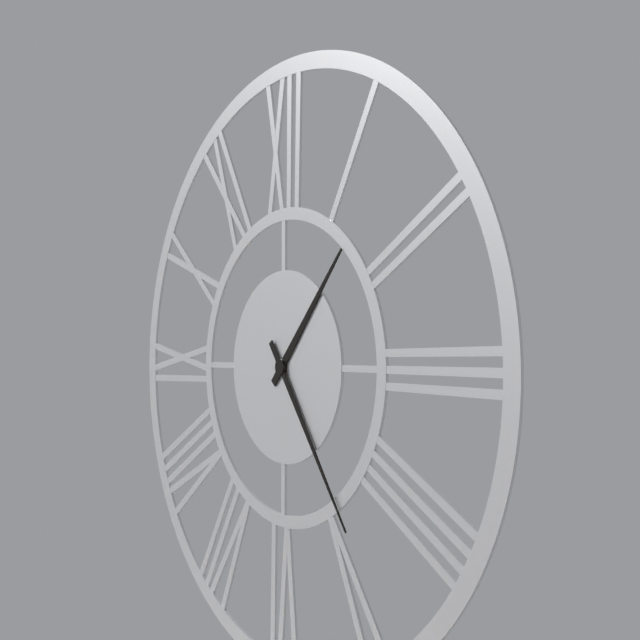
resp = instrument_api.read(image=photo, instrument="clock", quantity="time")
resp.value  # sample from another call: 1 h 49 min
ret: 1 h 24 min
